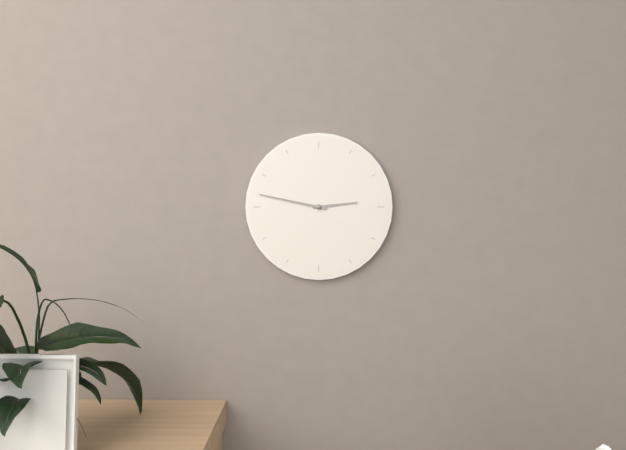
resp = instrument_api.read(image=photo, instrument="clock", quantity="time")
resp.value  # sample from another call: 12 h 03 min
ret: 2 h 47 min
